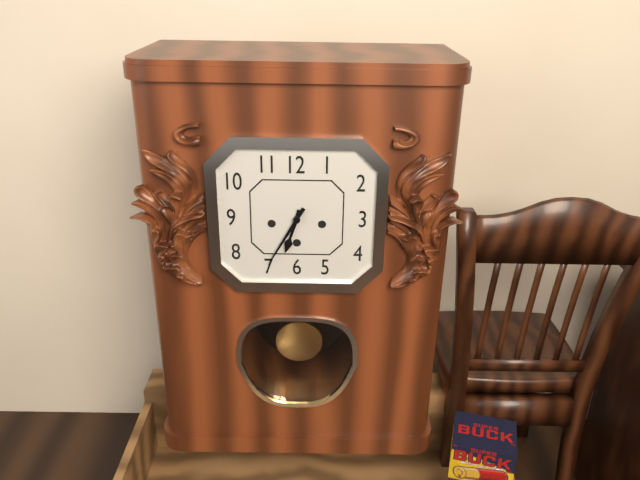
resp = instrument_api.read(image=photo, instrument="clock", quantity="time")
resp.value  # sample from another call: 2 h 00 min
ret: 6 h 35 min
